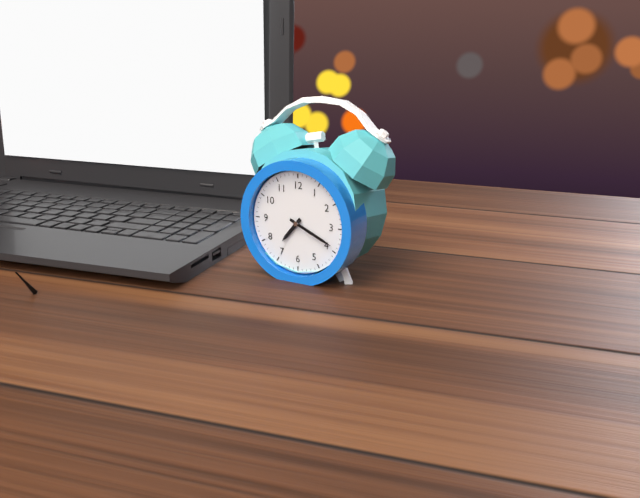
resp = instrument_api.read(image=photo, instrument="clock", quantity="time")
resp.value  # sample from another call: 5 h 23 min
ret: 7 h 19 min
